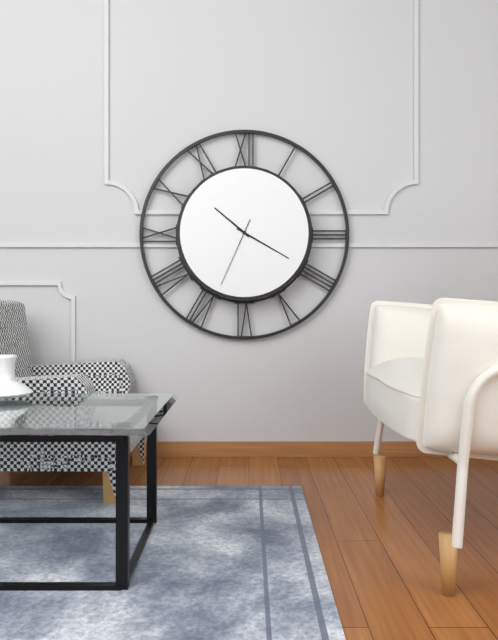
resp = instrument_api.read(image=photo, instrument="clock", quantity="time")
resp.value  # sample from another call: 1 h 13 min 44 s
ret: 10 h 20 min 34 s
